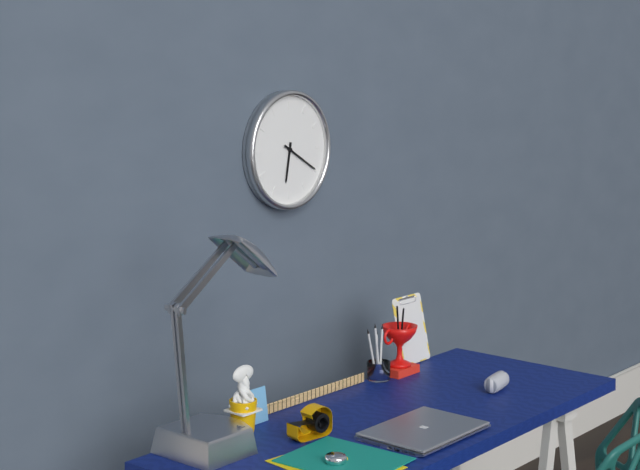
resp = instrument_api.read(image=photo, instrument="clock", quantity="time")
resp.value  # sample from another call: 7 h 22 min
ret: 6 h 20 min
